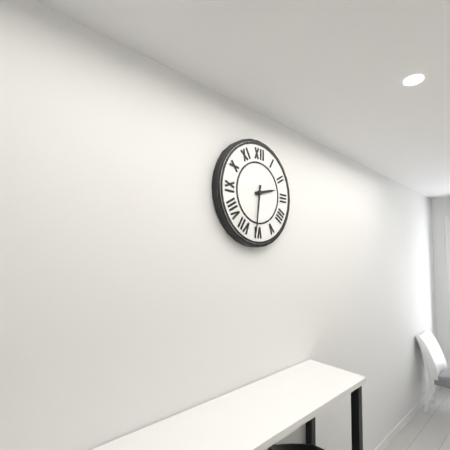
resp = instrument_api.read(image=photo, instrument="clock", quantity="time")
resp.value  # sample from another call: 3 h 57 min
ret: 2 h 31 min
